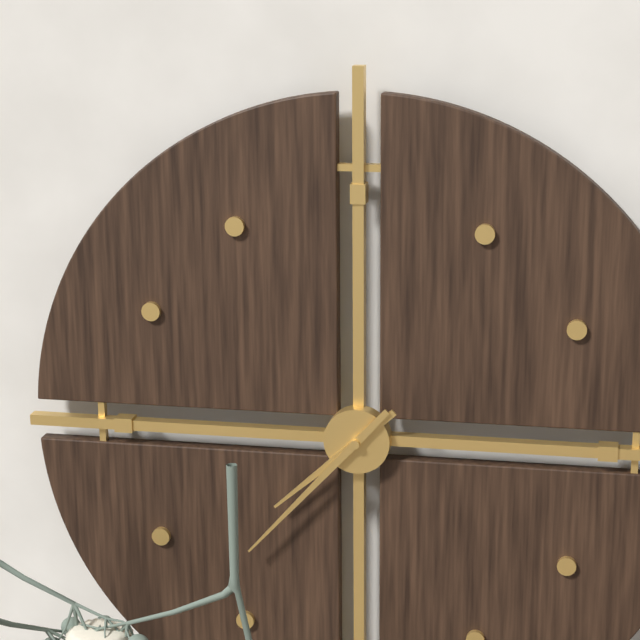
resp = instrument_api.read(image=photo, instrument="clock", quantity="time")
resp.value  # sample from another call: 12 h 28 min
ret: 7 h 37 min
